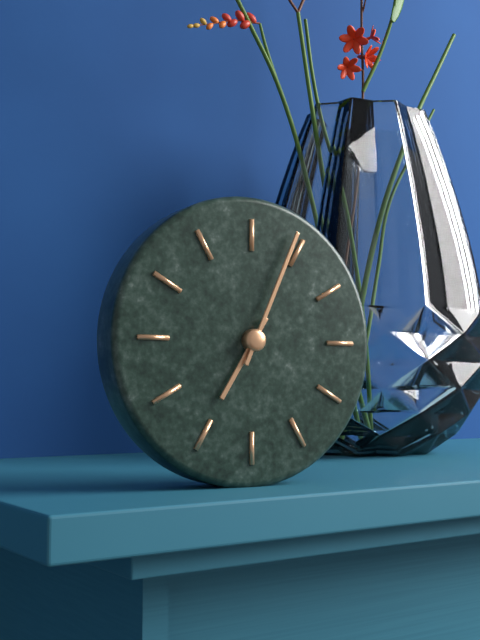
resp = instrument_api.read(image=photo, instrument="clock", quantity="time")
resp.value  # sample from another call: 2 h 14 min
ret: 7 h 04 min
